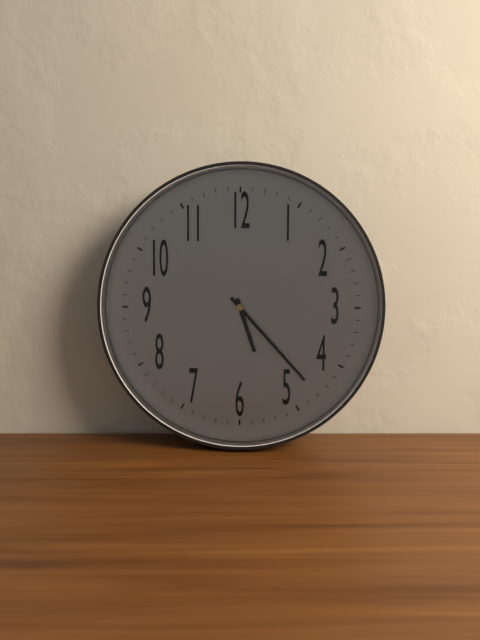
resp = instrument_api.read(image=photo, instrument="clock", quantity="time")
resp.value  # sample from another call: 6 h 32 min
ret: 5 h 23 min
